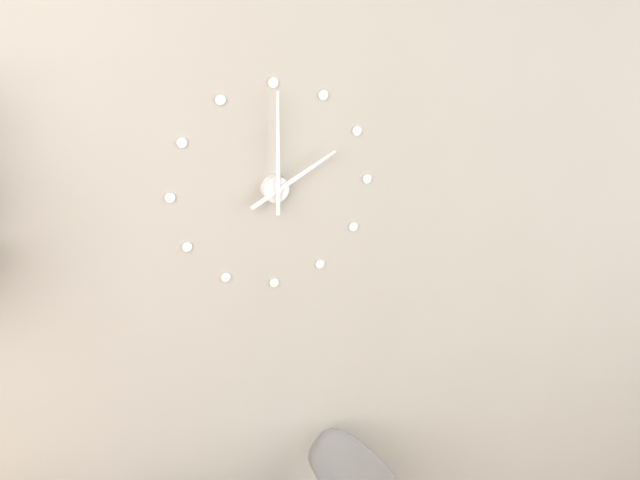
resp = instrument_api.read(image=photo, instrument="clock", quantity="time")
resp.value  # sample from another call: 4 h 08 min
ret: 2 h 00 min
